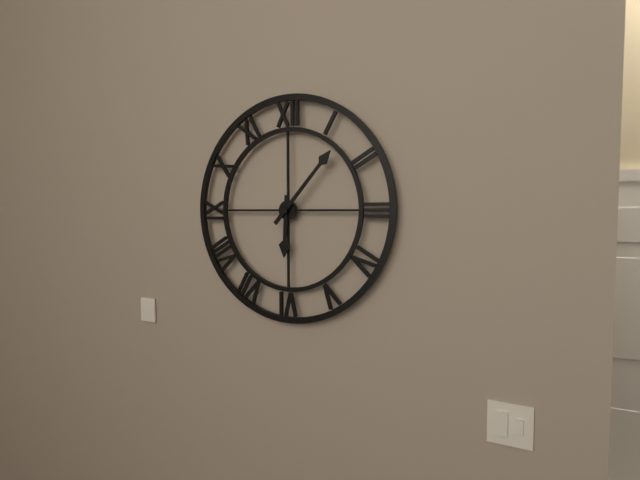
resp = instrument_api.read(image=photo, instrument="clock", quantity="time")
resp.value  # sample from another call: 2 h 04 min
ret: 6 h 07 min
